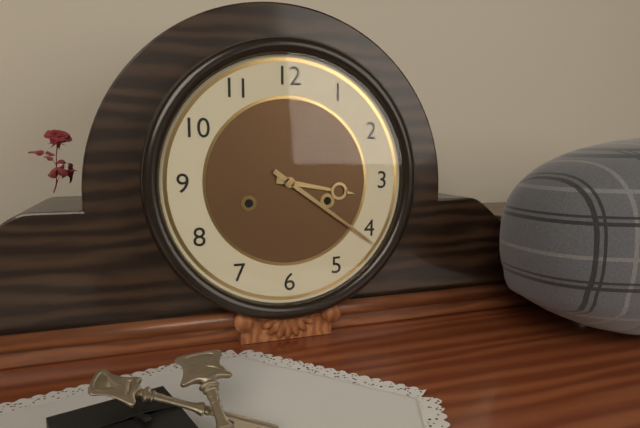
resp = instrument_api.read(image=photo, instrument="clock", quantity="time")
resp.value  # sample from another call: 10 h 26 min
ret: 3 h 21 min
